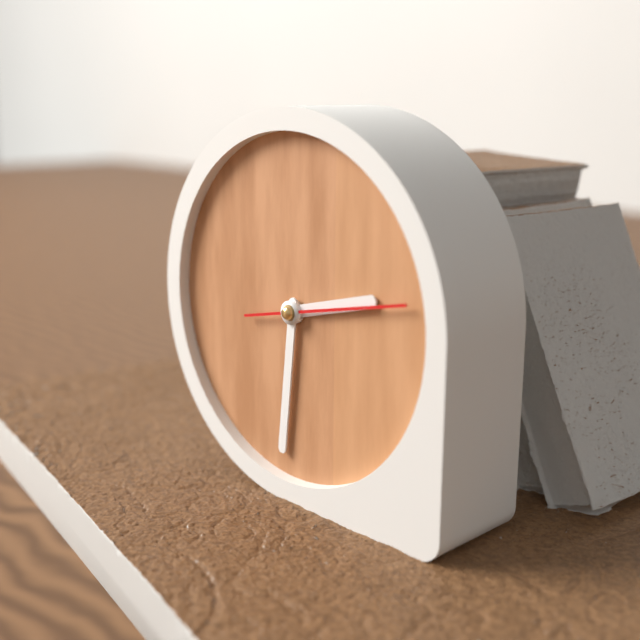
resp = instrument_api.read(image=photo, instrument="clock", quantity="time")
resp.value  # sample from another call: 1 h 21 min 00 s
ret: 2 h 31 min 13 s
